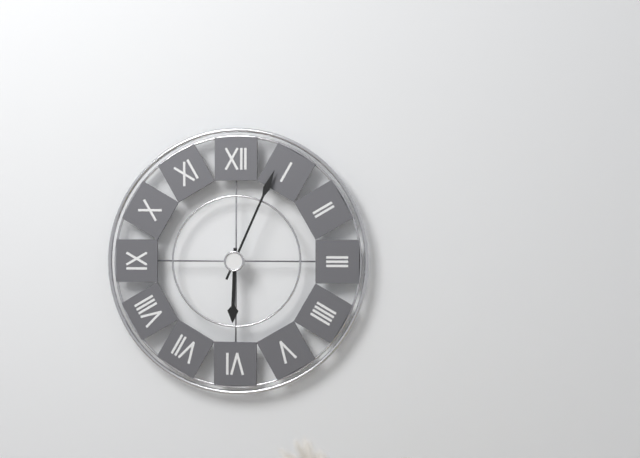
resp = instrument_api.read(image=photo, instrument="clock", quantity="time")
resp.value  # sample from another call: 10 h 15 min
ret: 6 h 04 min
